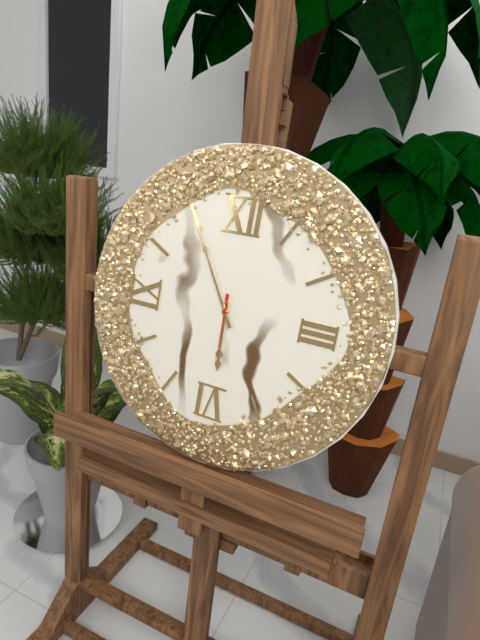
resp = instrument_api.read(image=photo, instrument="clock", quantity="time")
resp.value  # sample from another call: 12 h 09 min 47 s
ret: 5 h 55 min 30 s
